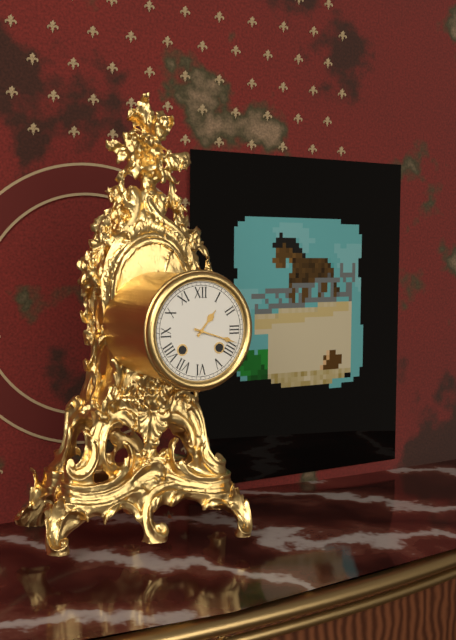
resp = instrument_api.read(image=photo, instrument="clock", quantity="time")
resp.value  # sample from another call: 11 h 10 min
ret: 1 h 18 min
